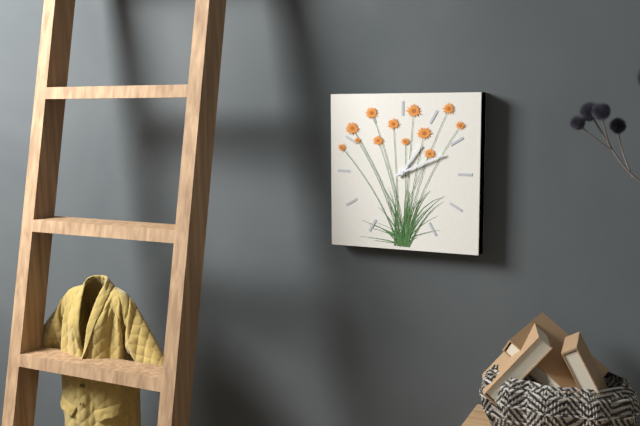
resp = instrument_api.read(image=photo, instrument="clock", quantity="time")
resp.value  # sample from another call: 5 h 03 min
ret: 1 h 11 min
